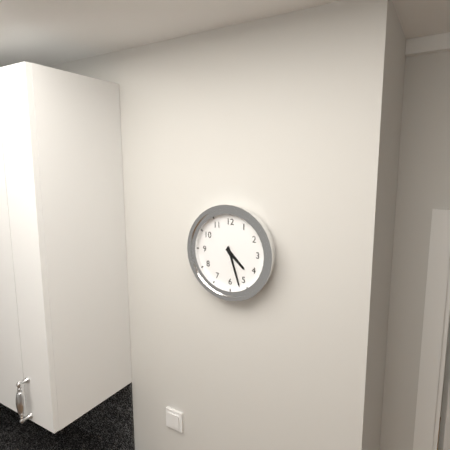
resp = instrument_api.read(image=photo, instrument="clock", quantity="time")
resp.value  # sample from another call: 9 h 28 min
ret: 4 h 27 min
